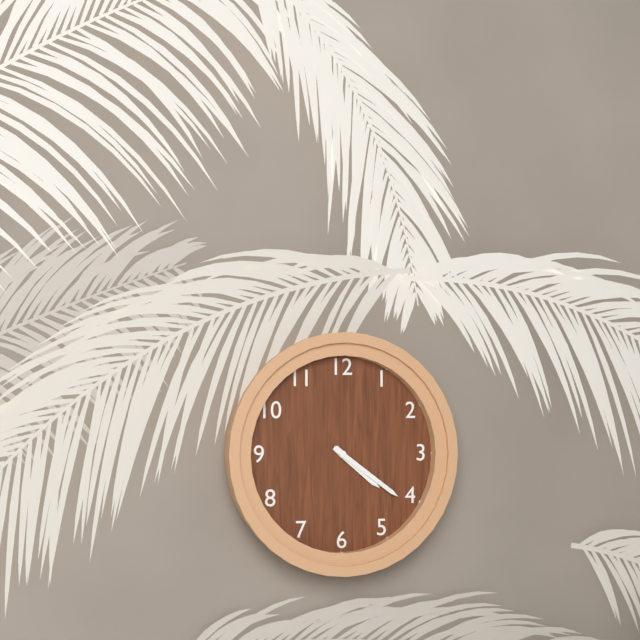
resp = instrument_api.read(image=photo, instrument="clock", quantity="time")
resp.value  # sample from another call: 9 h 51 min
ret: 4 h 21 min
